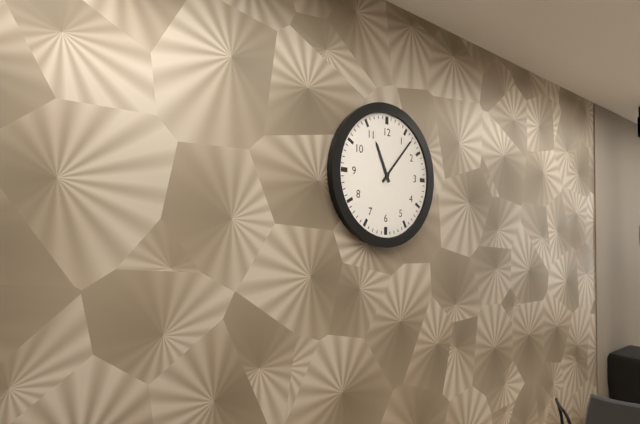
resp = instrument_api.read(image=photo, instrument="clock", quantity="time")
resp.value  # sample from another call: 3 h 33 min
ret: 11 h 07 min
